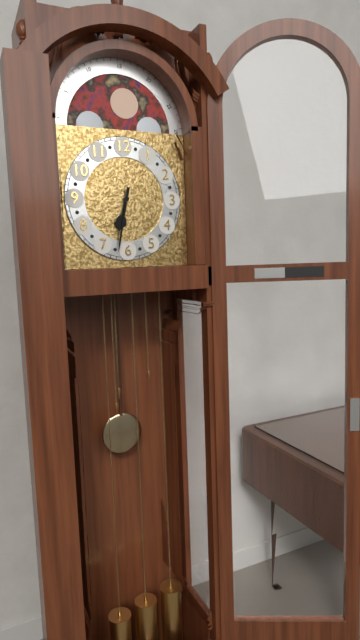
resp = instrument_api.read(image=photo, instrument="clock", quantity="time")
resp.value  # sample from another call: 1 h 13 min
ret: 6 h 32 min
